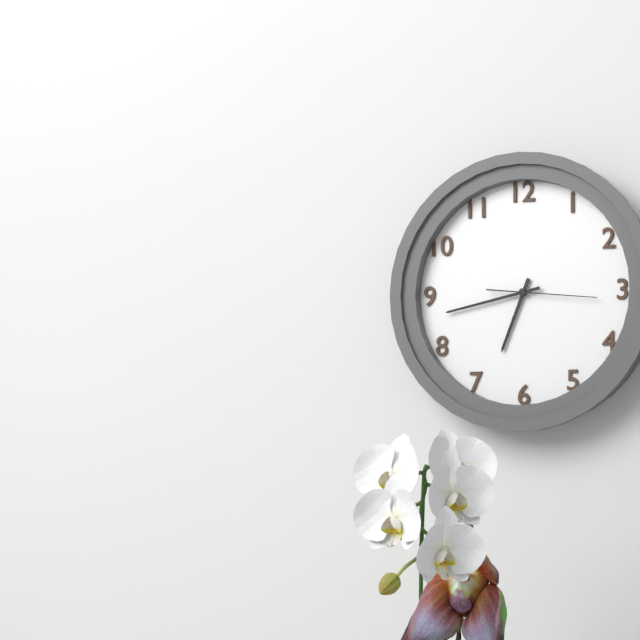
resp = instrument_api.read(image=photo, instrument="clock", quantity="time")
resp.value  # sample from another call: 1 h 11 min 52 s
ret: 6 h 43 min 16 s
